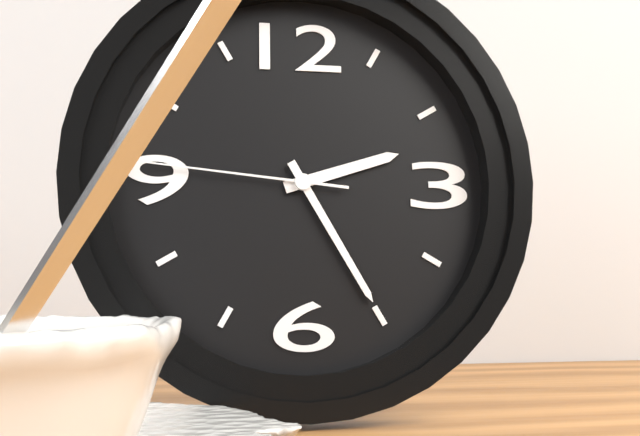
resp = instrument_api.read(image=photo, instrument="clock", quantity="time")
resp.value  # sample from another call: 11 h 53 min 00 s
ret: 2 h 25 min 46 s
